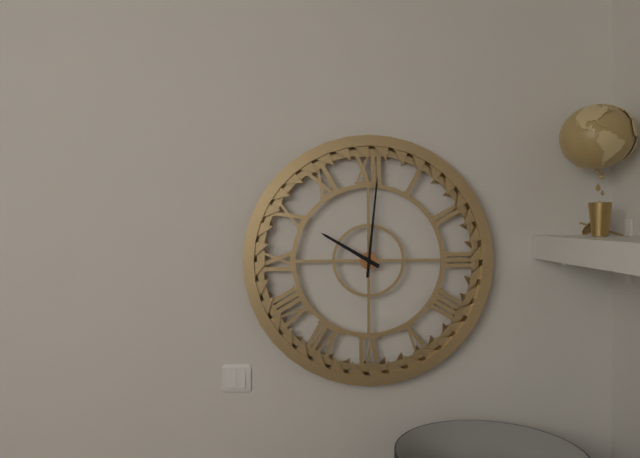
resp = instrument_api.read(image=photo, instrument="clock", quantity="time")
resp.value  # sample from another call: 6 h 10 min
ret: 10 h 01 min
